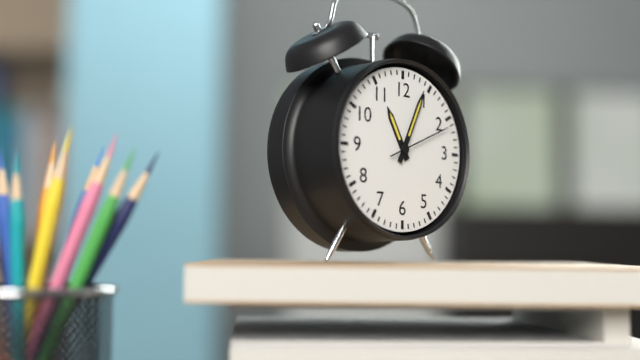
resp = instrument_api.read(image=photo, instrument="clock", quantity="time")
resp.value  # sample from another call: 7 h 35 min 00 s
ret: 11 h 04 min 11 s
